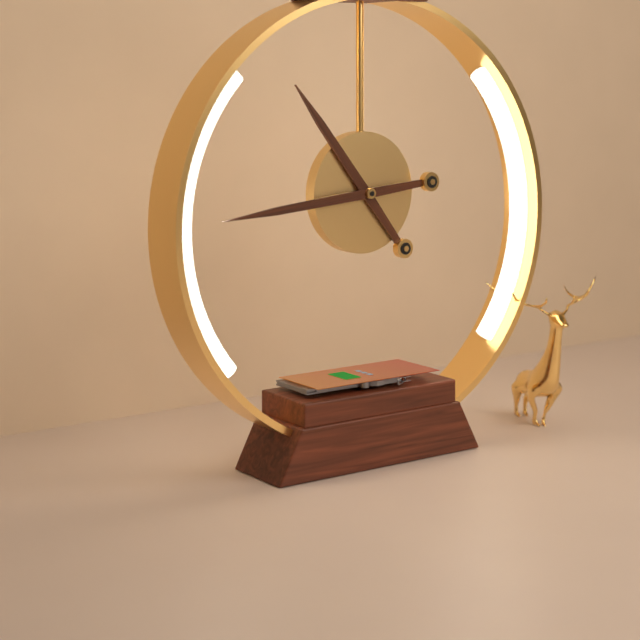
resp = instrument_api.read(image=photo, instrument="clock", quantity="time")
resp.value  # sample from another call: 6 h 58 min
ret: 10 h 44 min
